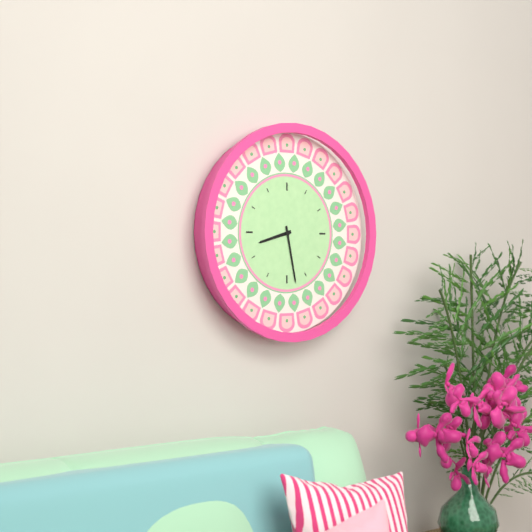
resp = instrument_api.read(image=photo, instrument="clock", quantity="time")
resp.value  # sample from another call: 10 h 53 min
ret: 8 h 28 min
